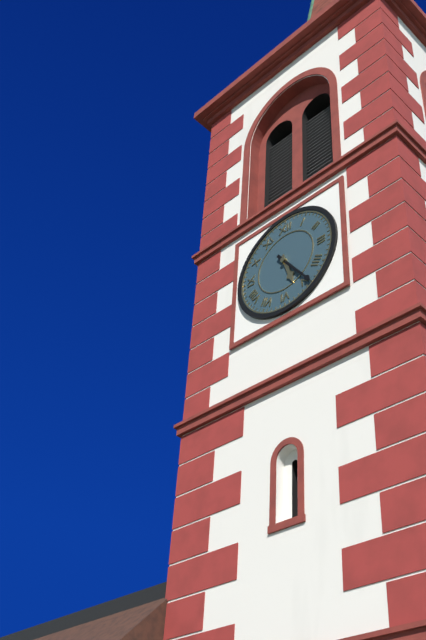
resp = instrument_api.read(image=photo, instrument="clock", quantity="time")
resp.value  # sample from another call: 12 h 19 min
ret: 5 h 24 min
